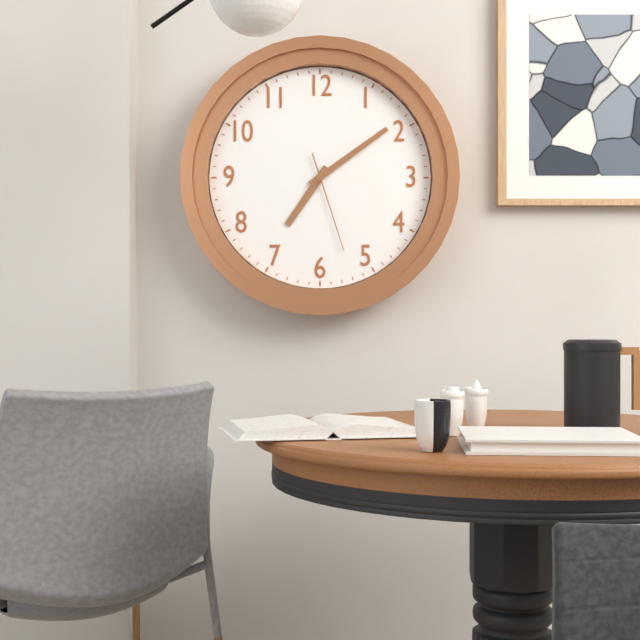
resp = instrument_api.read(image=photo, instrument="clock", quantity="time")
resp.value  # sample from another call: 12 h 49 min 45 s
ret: 7 h 09 min 27 s
